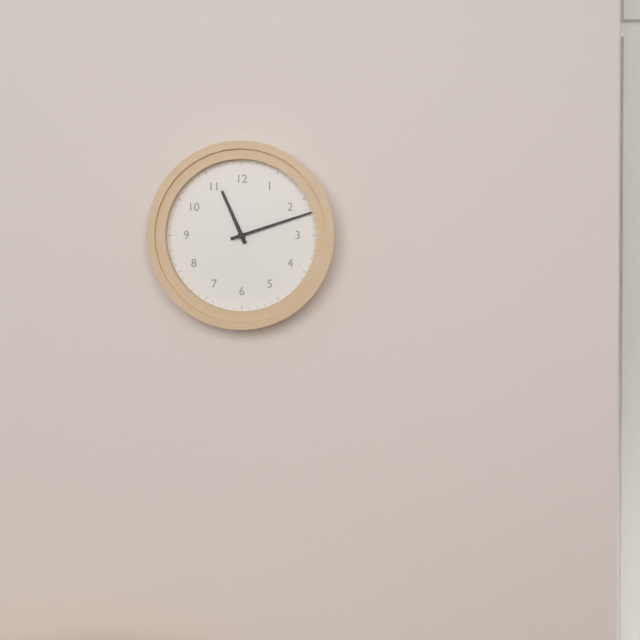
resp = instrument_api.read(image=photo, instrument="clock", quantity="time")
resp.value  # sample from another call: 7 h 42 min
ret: 11 h 12 min
